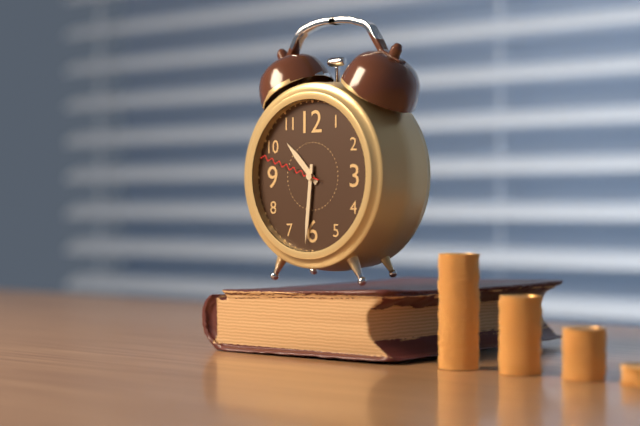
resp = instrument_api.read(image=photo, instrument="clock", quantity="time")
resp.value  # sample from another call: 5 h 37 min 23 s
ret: 10 h 31 min 48 s
